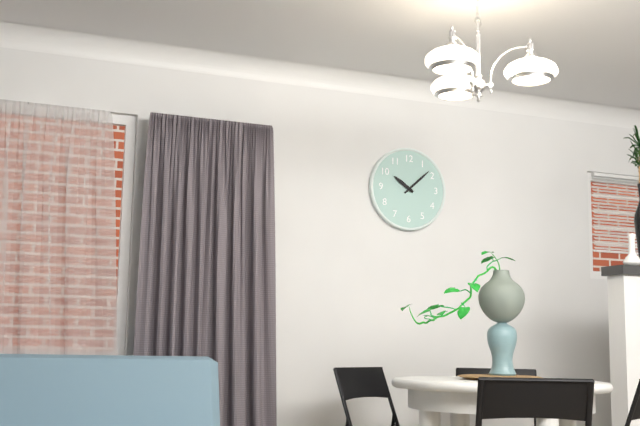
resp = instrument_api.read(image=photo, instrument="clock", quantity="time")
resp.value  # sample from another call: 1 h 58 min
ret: 10 h 08 min
